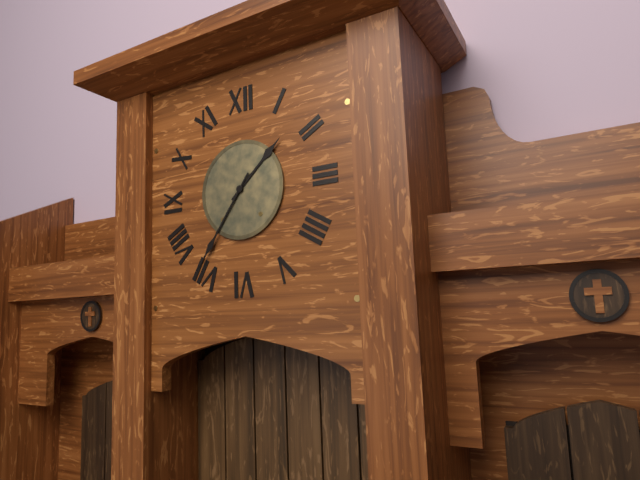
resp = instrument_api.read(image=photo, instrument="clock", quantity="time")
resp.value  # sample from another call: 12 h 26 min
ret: 1 h 36 min
